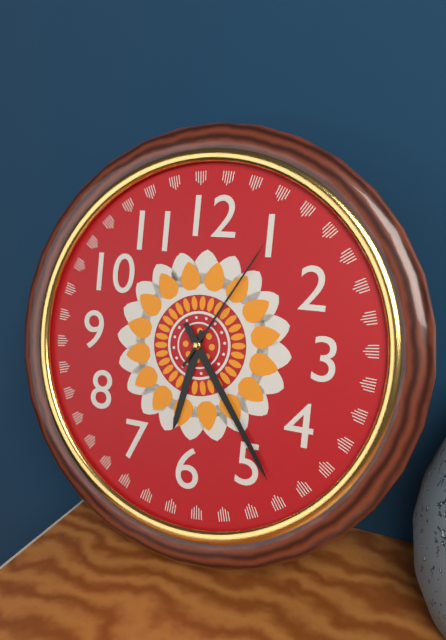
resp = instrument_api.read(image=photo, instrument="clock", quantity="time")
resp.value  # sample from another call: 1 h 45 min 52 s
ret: 6 h 24 min 05 s
